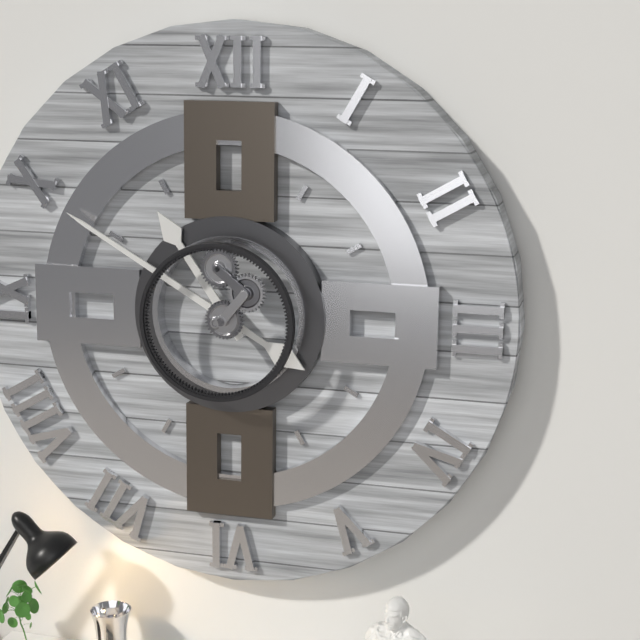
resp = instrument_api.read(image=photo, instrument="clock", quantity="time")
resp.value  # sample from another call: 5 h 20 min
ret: 10 h 50 min
